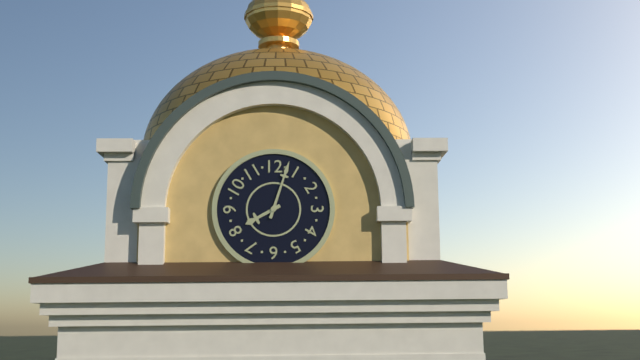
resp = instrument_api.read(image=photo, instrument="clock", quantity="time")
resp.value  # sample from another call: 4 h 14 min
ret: 8 h 03 min
